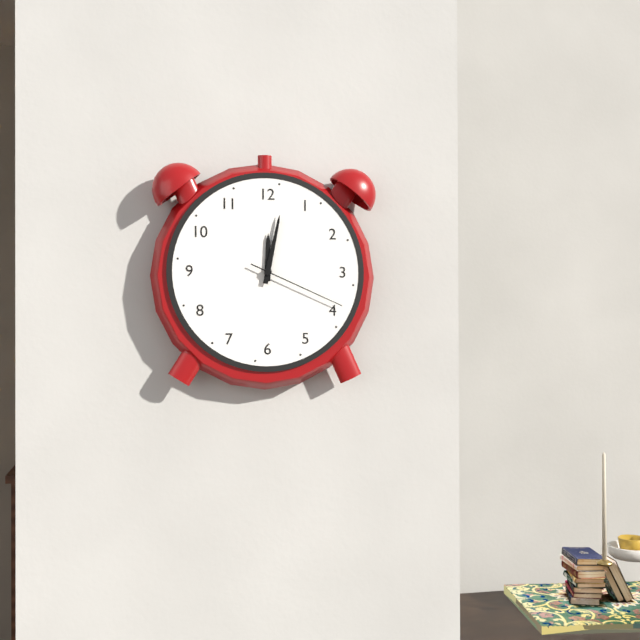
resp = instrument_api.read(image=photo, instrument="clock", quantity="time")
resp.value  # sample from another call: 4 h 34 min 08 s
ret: 12 h 02 min 19 s
